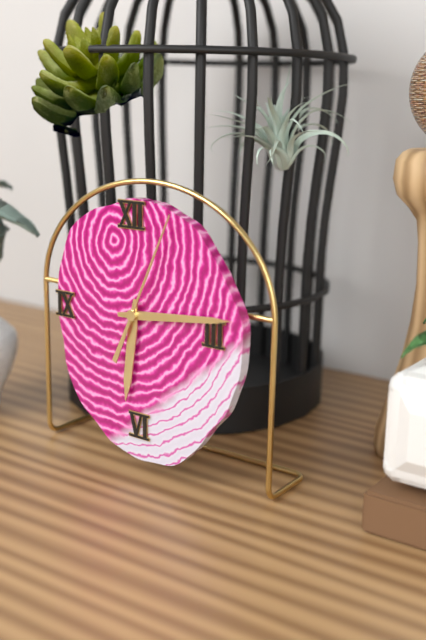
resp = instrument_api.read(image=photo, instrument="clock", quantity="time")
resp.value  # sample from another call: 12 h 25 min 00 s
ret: 6 h 14 min 04 s
